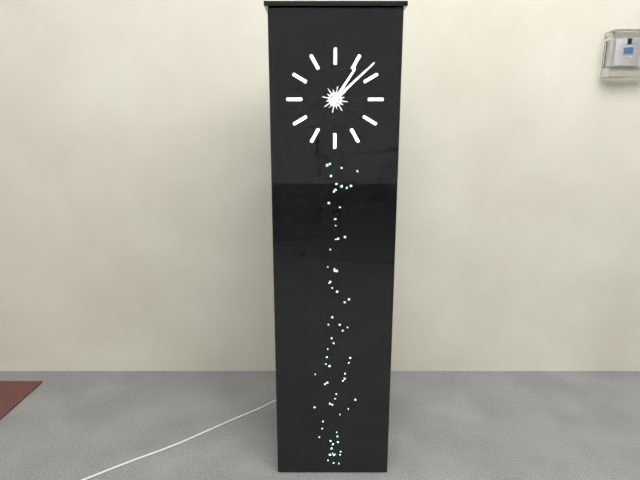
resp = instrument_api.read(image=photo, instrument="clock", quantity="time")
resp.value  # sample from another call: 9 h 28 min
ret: 1 h 08 min
